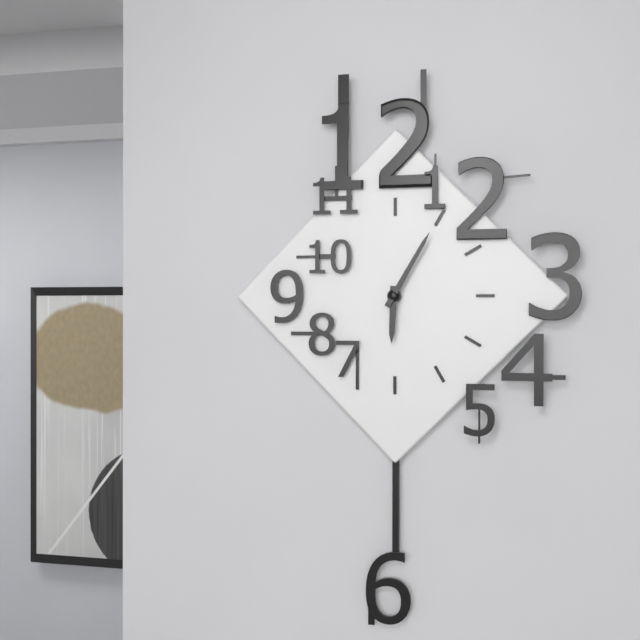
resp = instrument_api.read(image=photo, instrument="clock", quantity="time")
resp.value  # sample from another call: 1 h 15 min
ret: 6 h 05 min
